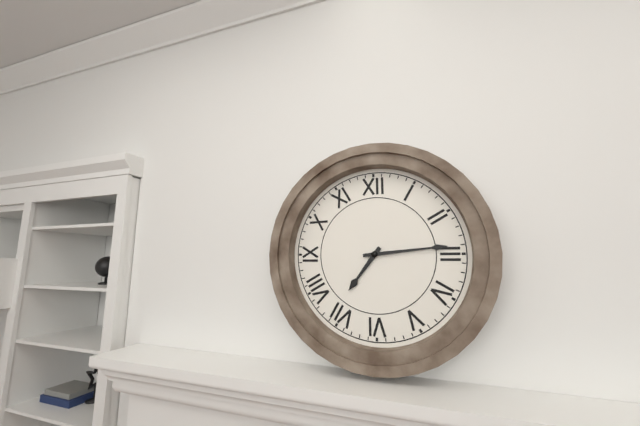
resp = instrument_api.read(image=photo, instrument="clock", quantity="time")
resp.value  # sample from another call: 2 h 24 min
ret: 7 h 14 min
